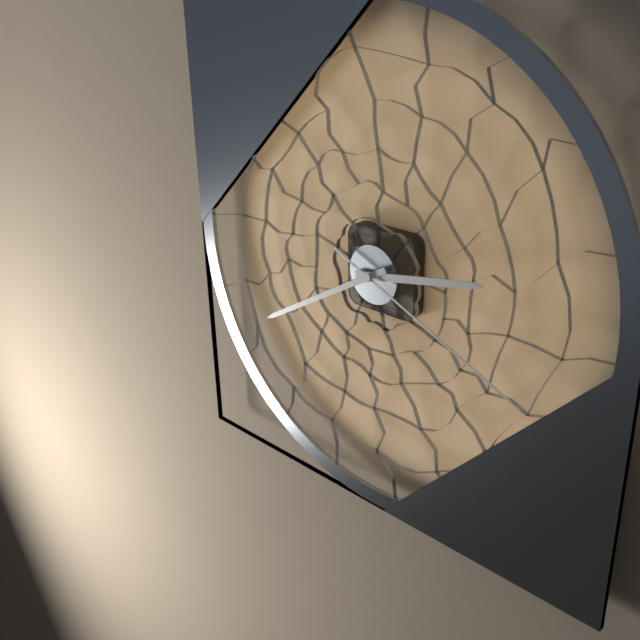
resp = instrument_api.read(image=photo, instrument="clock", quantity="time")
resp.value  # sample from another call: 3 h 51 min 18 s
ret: 2 h 40 min 19 s
